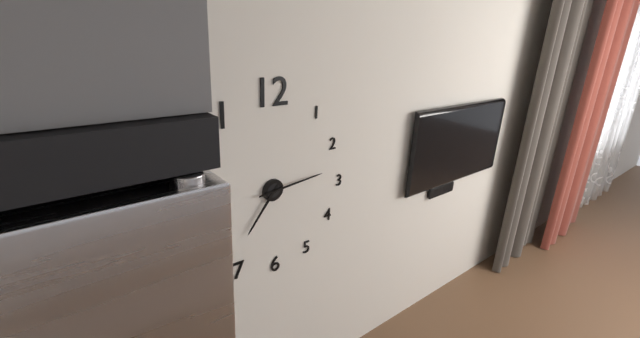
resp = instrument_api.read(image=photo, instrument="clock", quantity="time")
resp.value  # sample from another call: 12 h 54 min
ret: 7 h 14 min
